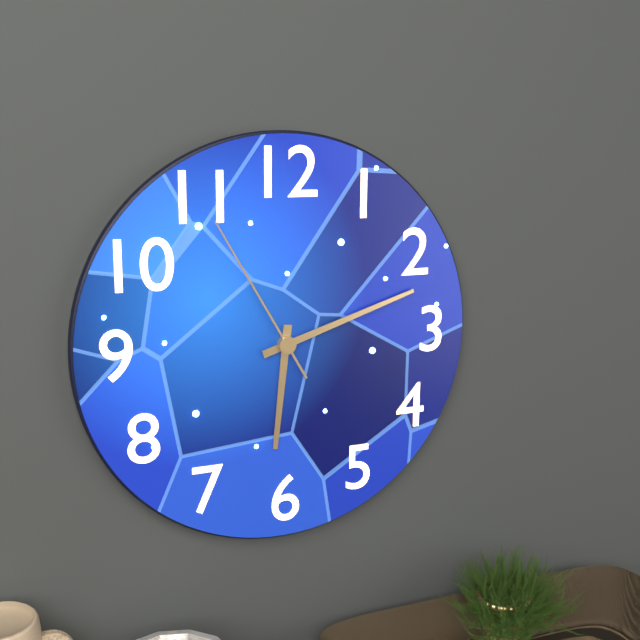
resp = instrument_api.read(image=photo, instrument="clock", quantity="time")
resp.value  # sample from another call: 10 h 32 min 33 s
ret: 6 h 12 min 55 s
